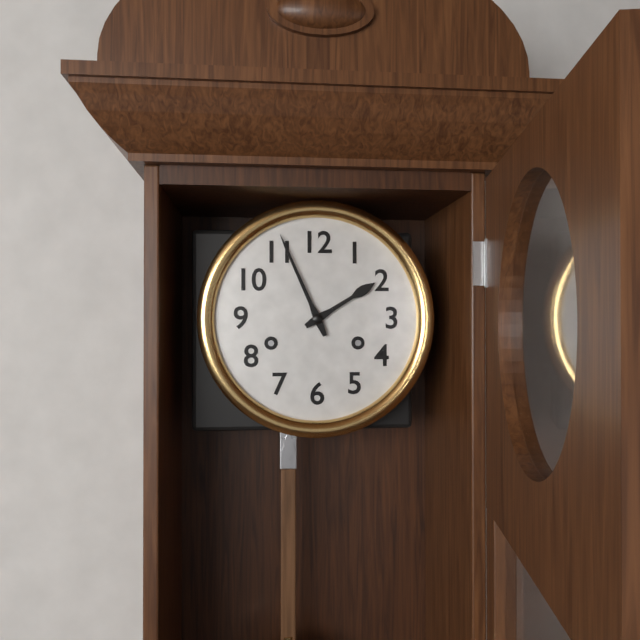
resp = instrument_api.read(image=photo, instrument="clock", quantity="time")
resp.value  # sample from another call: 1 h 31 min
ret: 1 h 56 min
